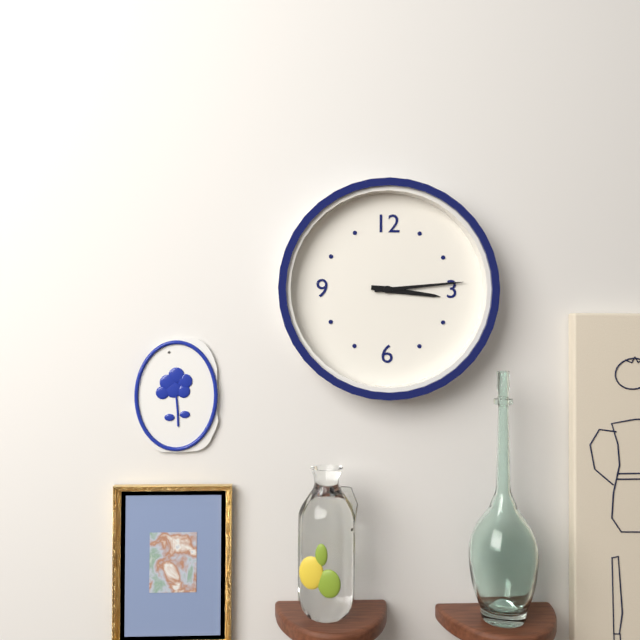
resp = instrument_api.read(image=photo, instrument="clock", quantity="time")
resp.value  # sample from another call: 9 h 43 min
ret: 3 h 14 min
